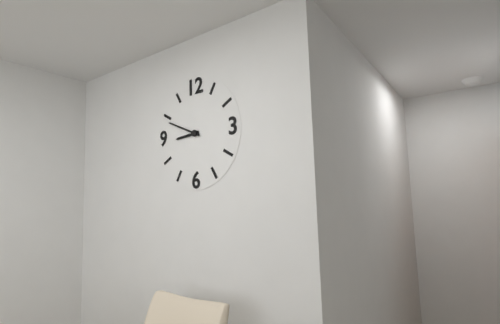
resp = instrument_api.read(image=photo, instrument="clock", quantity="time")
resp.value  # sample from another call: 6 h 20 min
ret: 8 h 49 min
